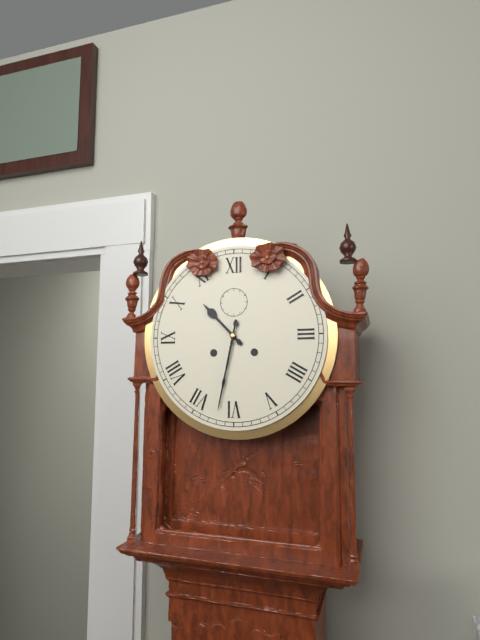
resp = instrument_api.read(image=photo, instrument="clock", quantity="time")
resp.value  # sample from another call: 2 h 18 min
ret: 10 h 32 min
